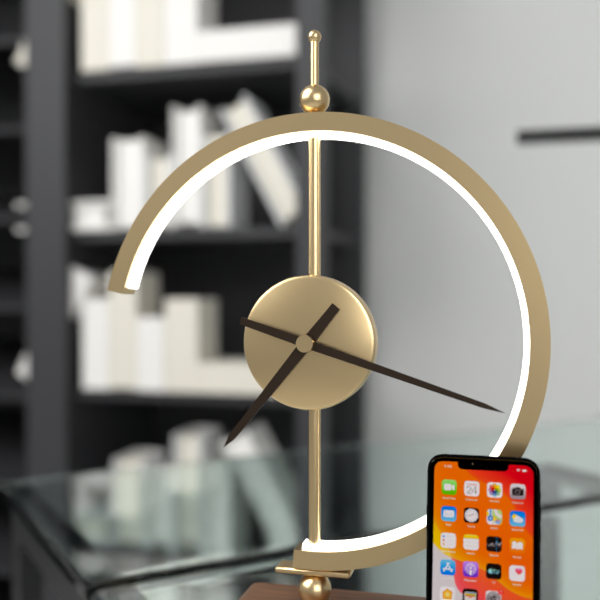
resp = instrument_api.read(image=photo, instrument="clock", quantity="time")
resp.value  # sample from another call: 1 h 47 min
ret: 7 h 18 min
